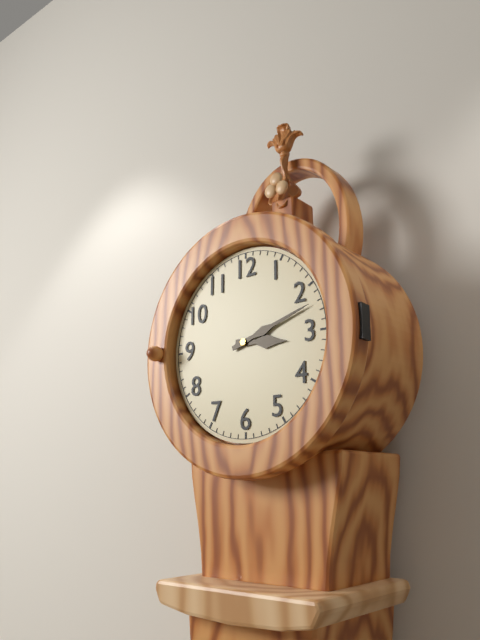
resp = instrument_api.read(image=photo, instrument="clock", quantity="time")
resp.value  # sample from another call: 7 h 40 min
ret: 3 h 12 min
